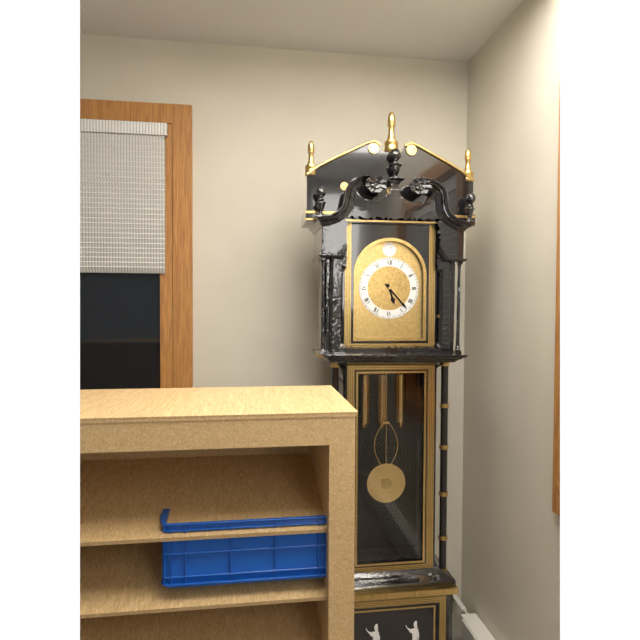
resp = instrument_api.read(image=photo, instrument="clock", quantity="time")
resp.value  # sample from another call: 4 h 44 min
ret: 5 h 23 min
